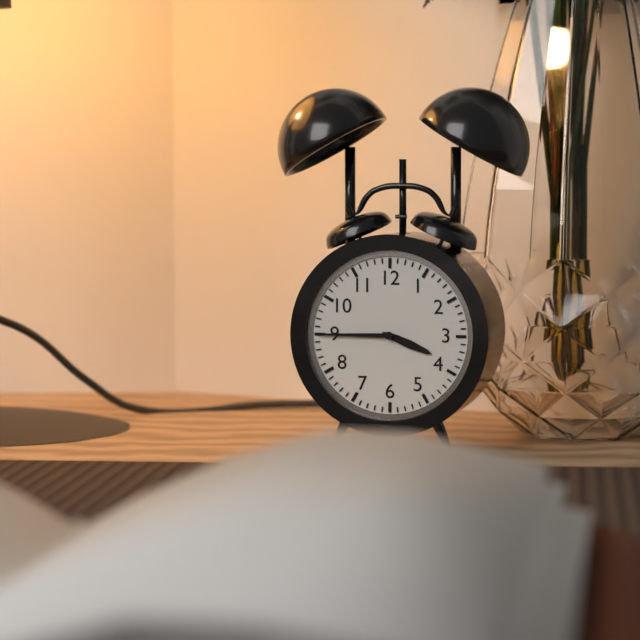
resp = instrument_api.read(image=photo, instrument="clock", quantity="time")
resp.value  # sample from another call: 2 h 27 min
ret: 3 h 45 min
